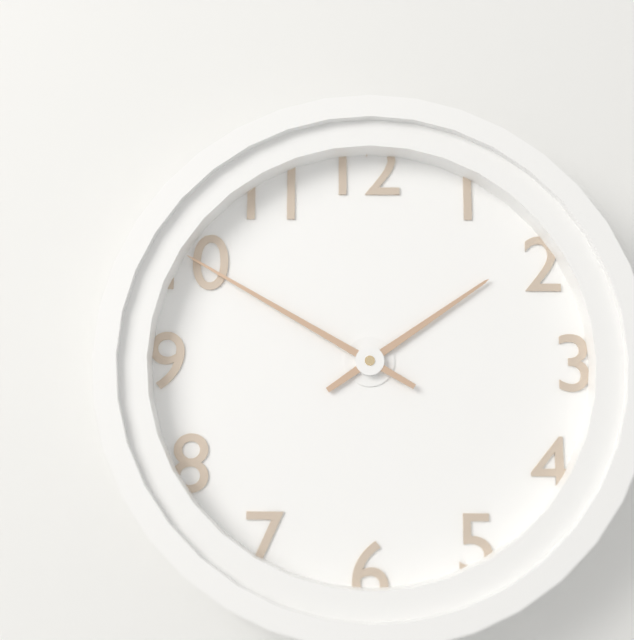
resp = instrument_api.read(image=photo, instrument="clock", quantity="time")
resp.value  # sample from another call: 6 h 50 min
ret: 1 h 50 min
